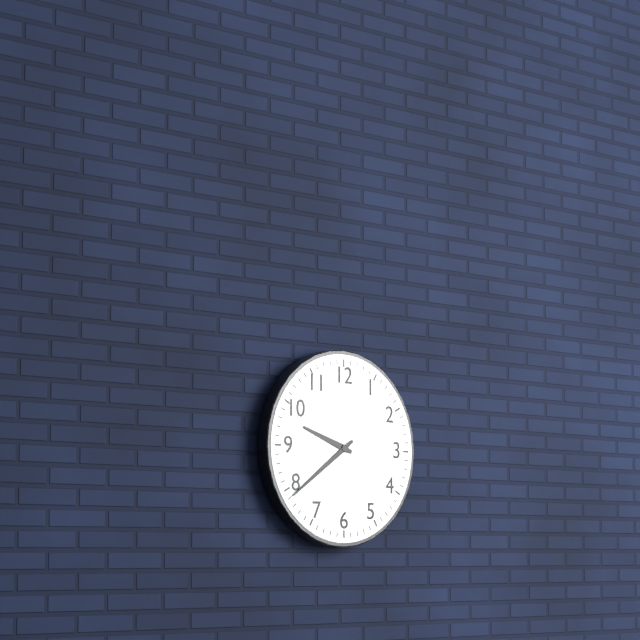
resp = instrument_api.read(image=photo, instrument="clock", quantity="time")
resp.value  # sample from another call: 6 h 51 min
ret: 9 h 39 min
